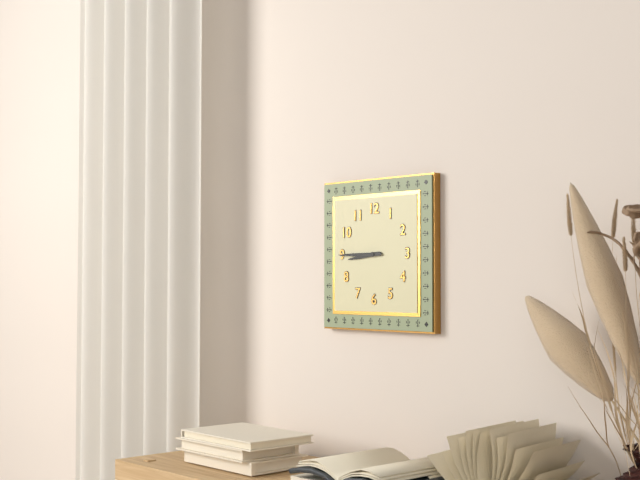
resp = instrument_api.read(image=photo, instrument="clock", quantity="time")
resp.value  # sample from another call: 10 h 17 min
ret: 8 h 45 min
